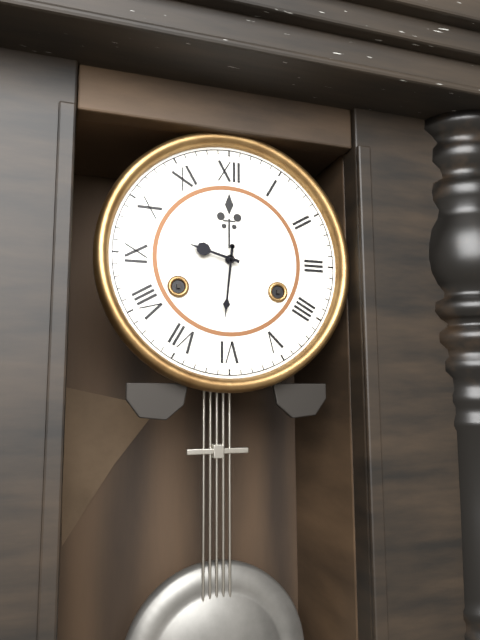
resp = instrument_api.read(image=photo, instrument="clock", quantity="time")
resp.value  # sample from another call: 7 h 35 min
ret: 9 h 31 min
